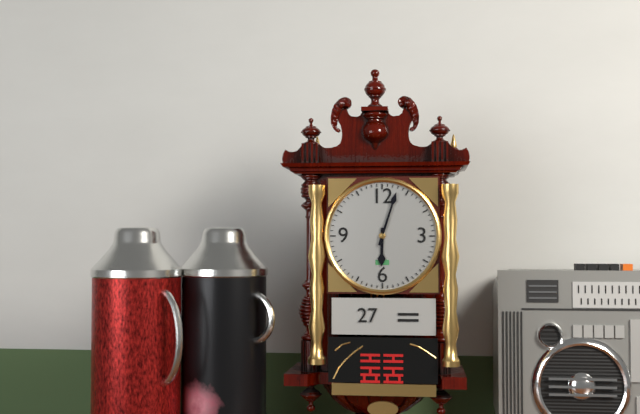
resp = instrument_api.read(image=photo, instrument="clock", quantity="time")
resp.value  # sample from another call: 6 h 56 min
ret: 6 h 03 min
